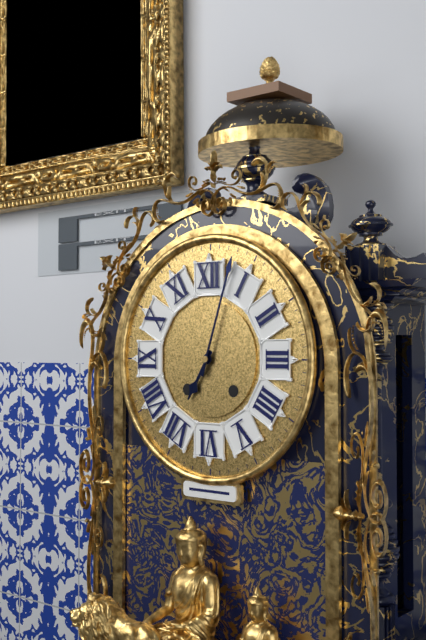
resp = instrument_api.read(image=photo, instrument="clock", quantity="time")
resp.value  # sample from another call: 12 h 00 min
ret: 7 h 03 min
